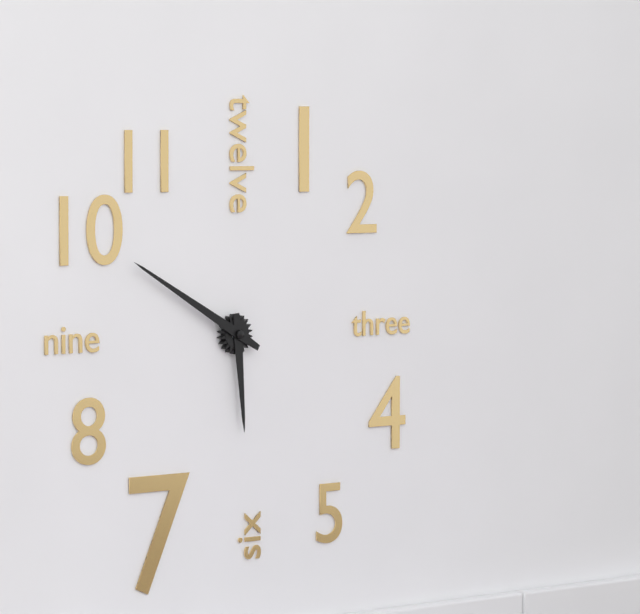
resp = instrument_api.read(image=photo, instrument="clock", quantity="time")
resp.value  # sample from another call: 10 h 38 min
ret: 5 h 50 min
